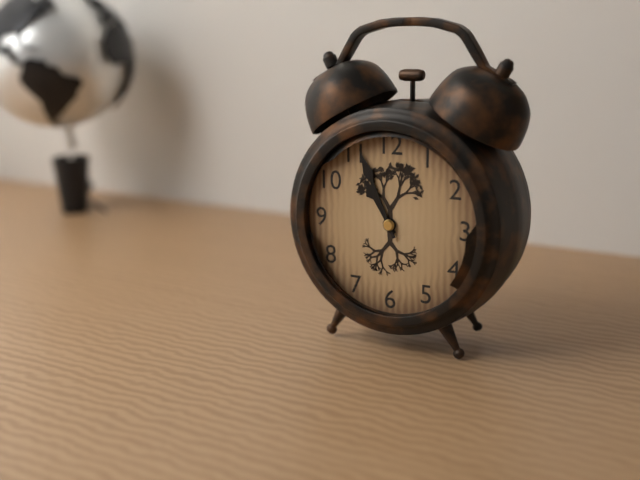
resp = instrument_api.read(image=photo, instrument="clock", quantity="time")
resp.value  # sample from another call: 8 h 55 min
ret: 10 h 56 min
